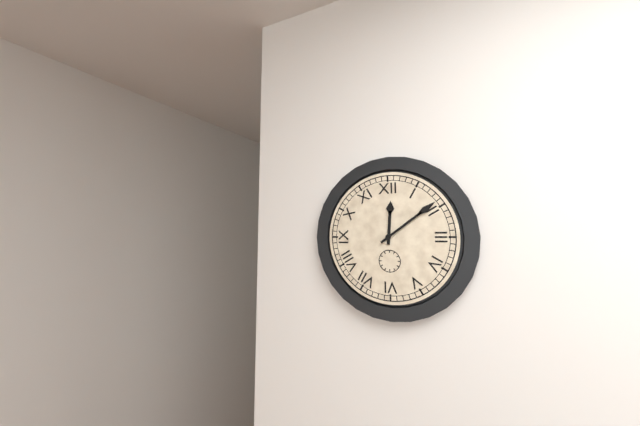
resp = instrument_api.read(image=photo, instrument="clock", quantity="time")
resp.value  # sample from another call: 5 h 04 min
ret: 12 h 09 min
